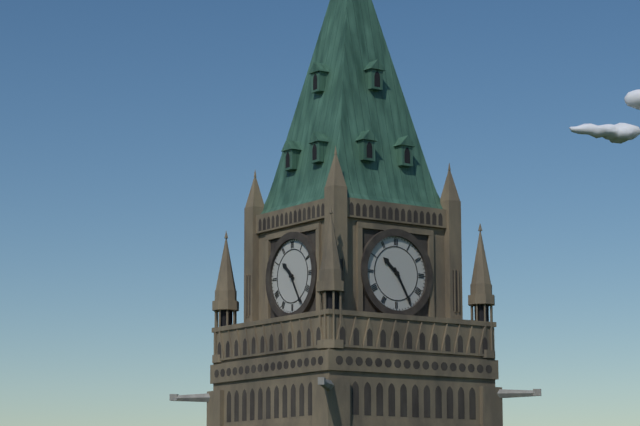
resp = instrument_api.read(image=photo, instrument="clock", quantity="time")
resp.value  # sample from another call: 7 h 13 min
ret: 10 h 25 min
